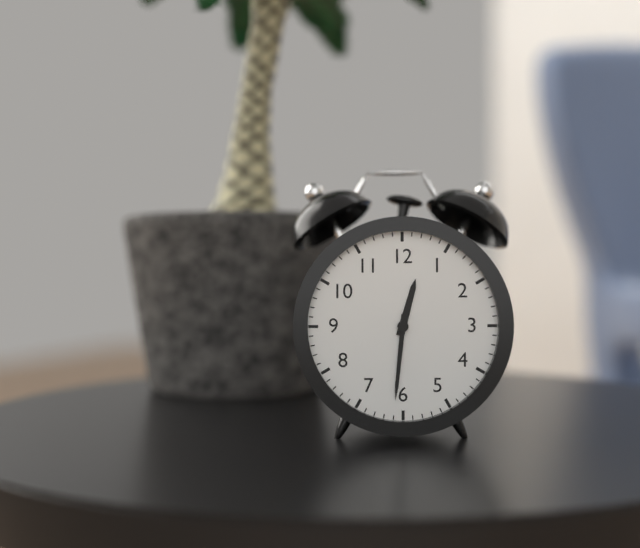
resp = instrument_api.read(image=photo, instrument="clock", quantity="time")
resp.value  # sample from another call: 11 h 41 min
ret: 12 h 31 min
